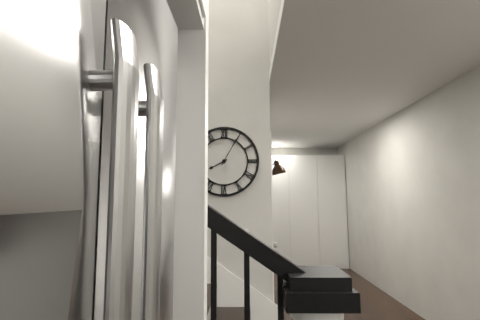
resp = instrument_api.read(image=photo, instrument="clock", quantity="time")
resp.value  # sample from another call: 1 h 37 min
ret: 8 h 05 min
